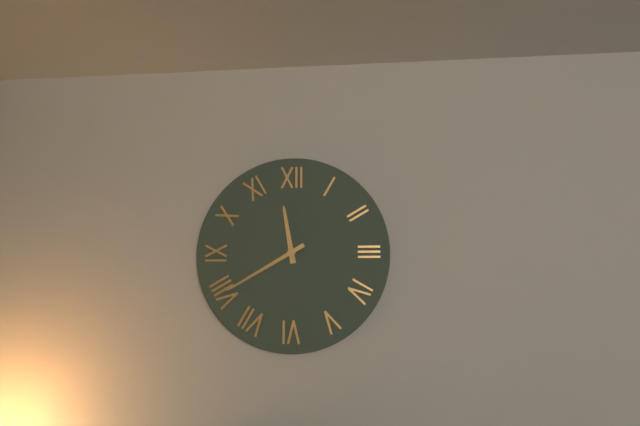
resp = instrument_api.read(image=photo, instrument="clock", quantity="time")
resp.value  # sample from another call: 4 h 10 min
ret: 11 h 40 min
